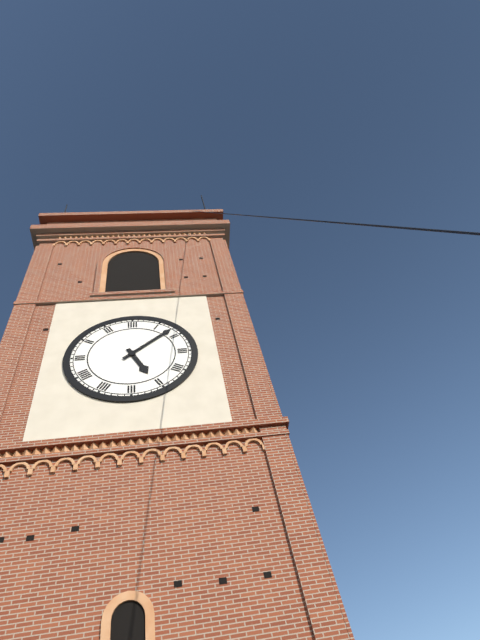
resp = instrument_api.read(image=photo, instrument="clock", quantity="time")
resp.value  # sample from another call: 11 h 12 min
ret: 5 h 08 min
